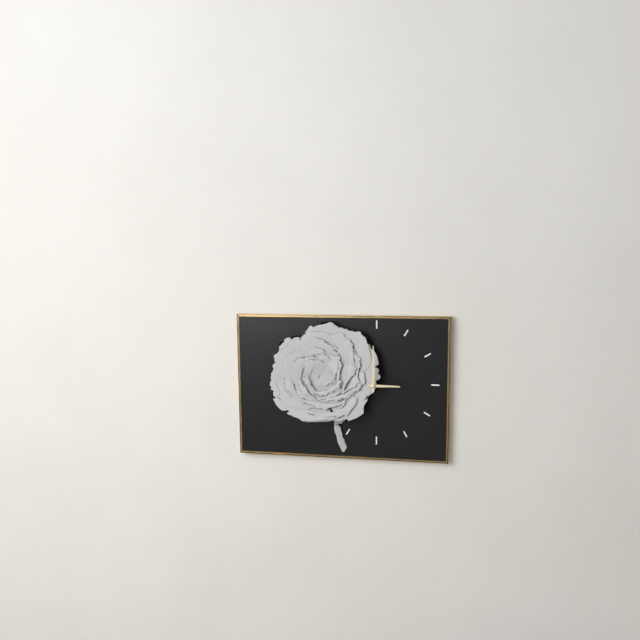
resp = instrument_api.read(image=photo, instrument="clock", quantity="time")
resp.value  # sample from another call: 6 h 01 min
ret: 3 h 00 min
